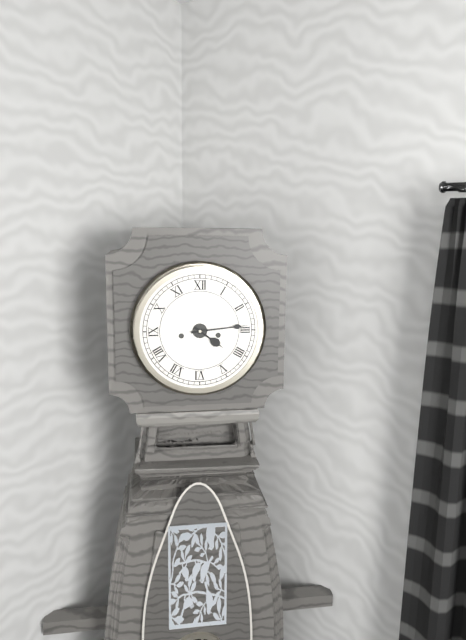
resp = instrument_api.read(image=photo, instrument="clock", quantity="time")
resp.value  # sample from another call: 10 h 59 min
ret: 4 h 14 min
